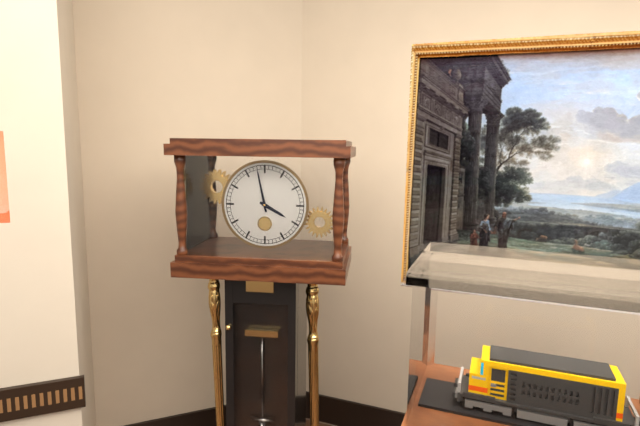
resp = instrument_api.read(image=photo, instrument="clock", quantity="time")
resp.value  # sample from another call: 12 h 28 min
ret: 3 h 58 min
